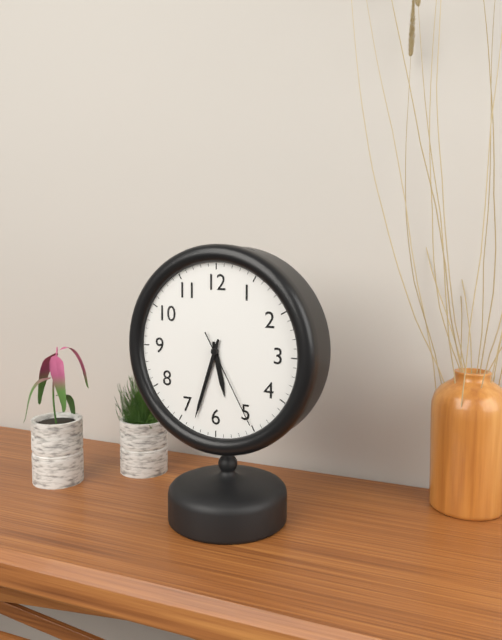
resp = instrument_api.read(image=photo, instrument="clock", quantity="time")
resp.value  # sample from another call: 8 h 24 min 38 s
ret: 5 h 33 min 25 s
